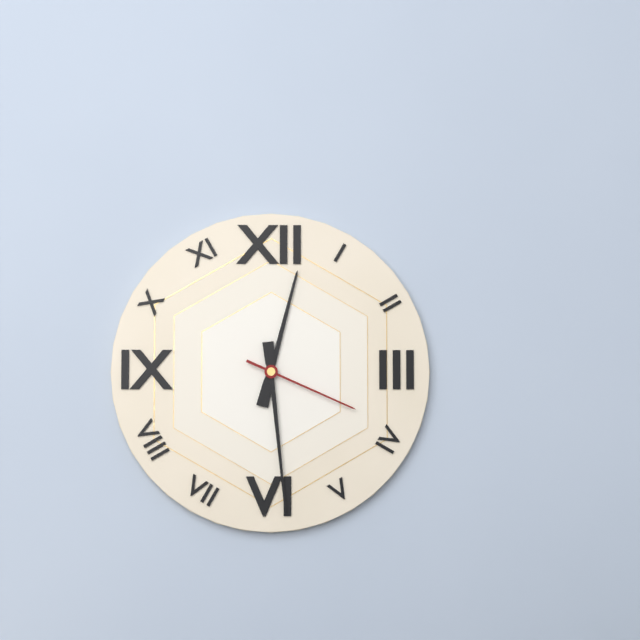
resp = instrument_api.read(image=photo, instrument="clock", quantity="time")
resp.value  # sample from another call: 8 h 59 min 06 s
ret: 12 h 29 min 19 s
